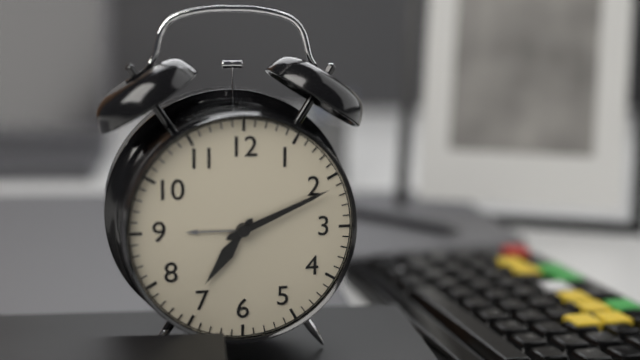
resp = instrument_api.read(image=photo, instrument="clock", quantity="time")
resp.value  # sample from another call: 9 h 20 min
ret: 7 h 11 min
